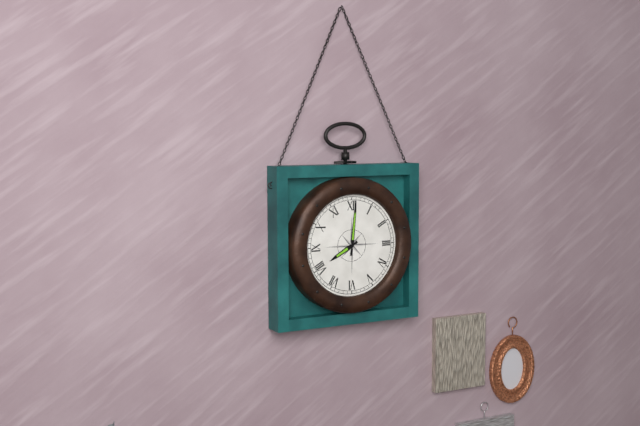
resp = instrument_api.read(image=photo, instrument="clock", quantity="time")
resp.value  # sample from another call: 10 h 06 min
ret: 8 h 01 min
